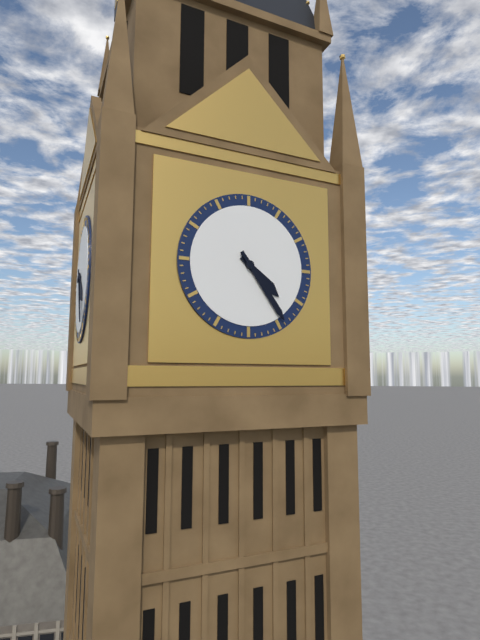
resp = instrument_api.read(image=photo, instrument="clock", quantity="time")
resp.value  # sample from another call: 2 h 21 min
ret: 4 h 24 min
